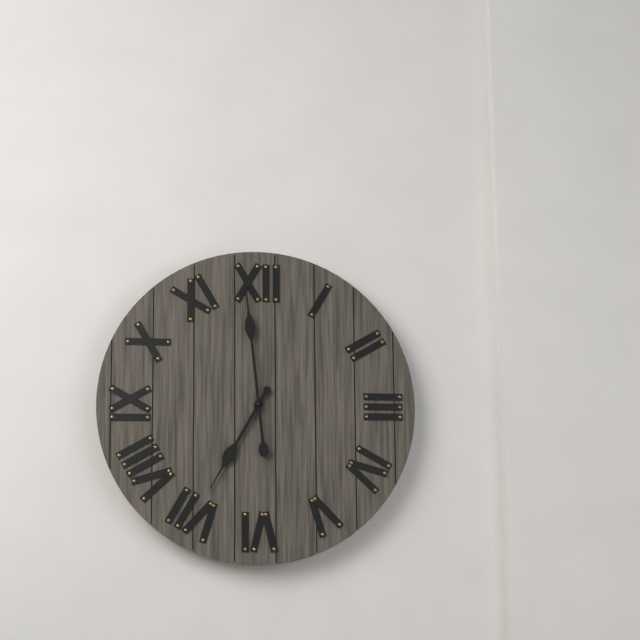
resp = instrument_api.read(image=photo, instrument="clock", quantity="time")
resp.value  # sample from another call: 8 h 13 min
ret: 6 h 59 min
